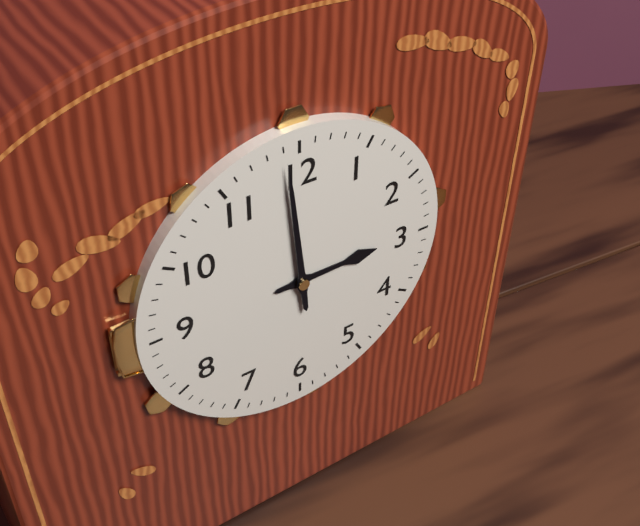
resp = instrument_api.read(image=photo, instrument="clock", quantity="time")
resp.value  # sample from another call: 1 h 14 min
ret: 2 h 59 min
